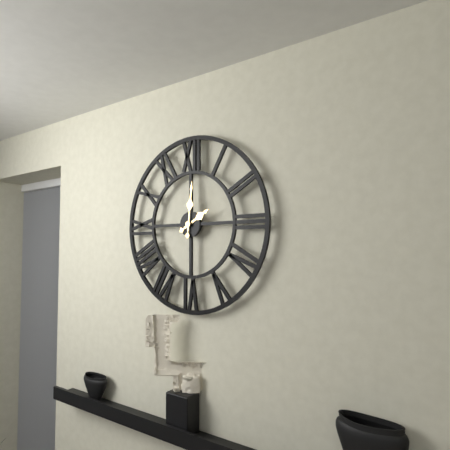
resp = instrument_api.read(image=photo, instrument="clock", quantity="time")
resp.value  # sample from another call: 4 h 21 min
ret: 2 h 01 min
